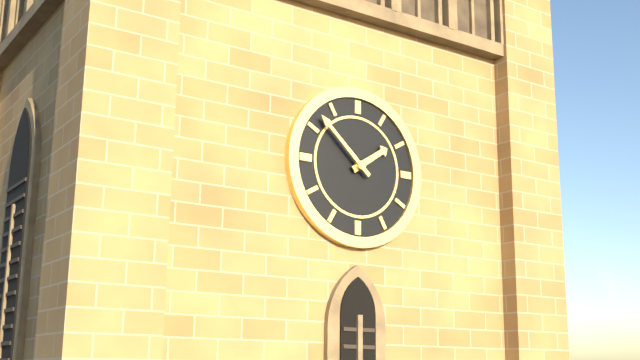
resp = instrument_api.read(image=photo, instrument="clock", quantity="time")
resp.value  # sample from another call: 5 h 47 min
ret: 1 h 52 min
